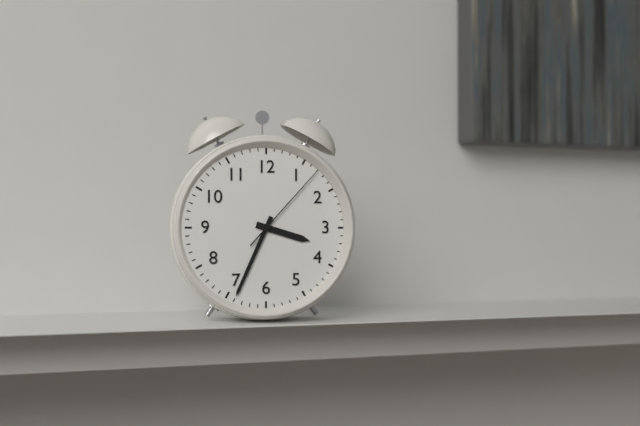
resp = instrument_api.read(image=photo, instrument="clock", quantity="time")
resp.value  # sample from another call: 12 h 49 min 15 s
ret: 3 h 34 min 07 s
